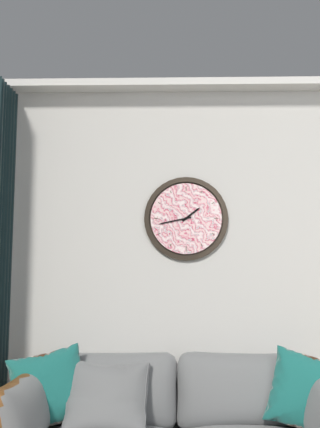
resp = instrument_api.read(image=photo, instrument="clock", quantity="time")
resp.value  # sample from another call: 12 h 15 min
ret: 1 h 43 min
